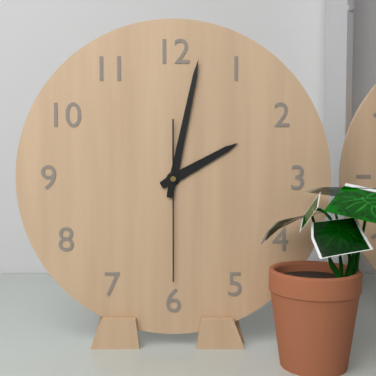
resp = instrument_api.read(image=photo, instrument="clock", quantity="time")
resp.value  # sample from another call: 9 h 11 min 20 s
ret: 2 h 02 min 30 s
